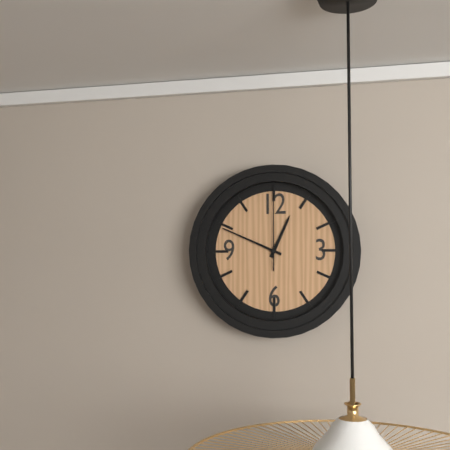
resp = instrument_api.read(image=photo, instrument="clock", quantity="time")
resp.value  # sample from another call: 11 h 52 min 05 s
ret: 12 h 49 min 00 s
